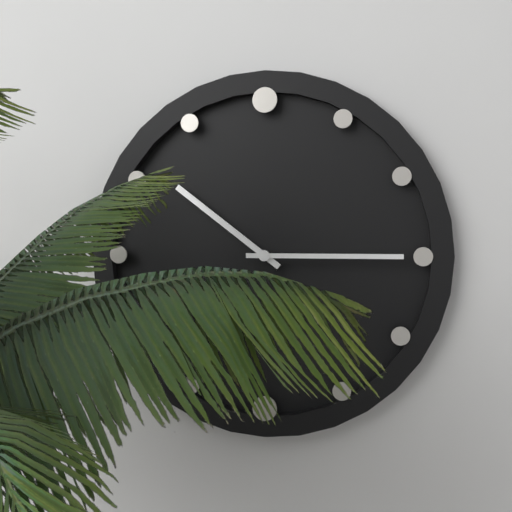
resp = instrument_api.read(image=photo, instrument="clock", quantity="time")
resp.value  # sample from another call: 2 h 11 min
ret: 10 h 15 min
